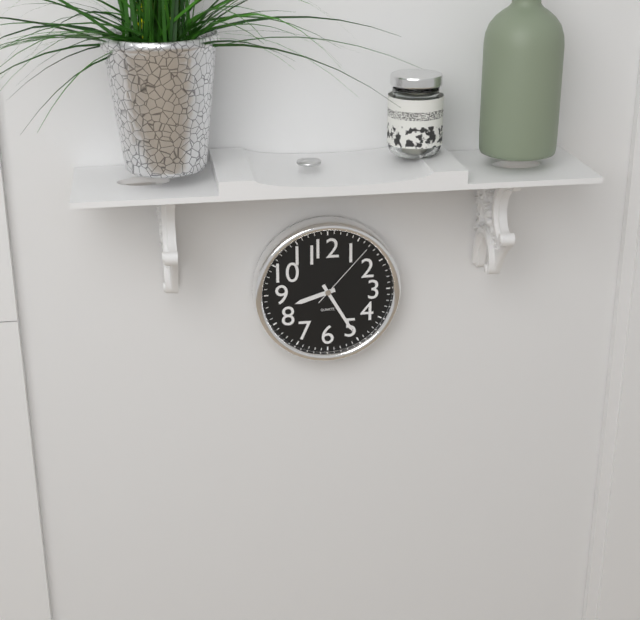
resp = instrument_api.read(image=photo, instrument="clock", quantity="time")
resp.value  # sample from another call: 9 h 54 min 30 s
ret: 8 h 25 min 07 s
